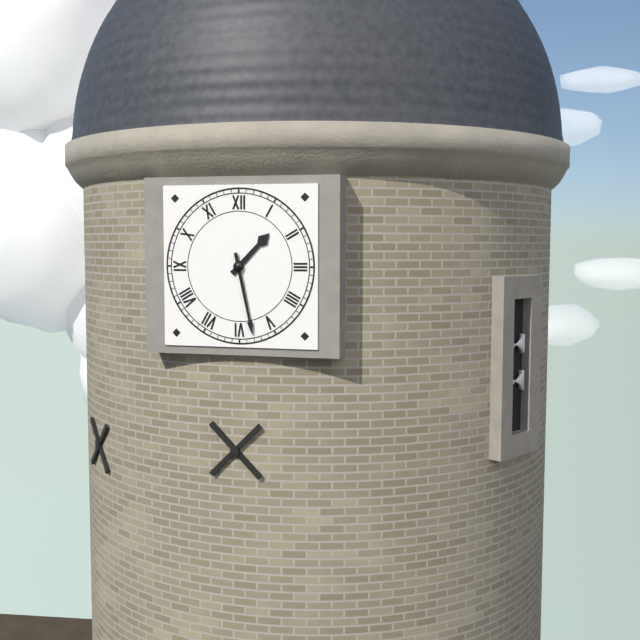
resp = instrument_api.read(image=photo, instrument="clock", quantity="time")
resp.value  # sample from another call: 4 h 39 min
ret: 1 h 28 min
